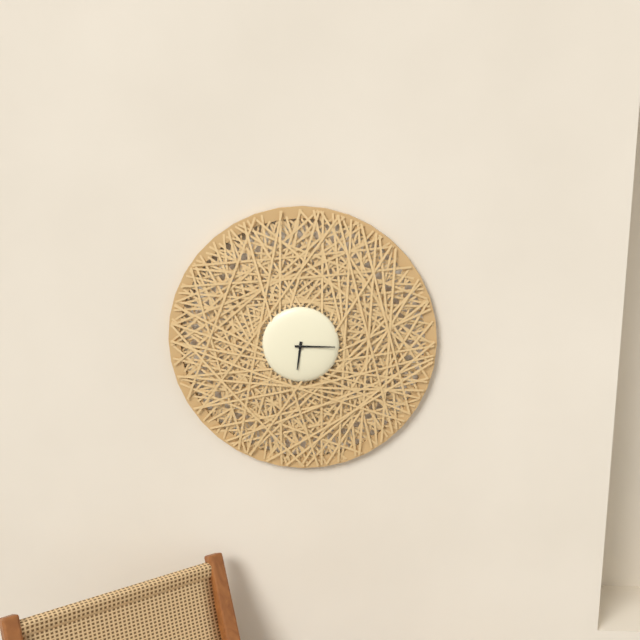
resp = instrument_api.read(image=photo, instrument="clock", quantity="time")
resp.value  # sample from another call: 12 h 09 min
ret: 6 h 15 min
